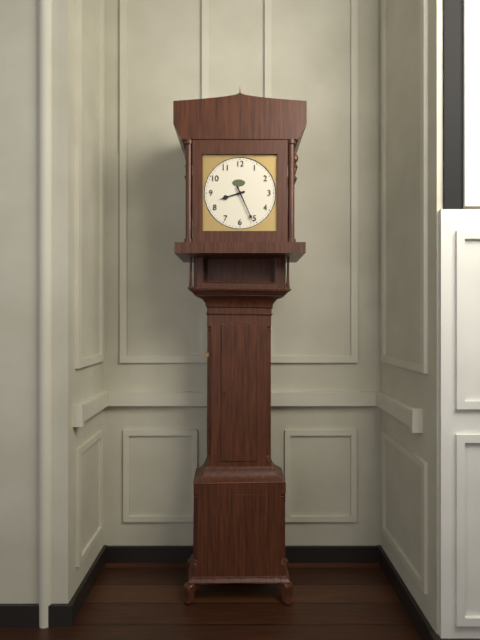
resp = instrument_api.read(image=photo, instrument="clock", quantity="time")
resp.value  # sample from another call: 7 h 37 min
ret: 8 h 26 min
